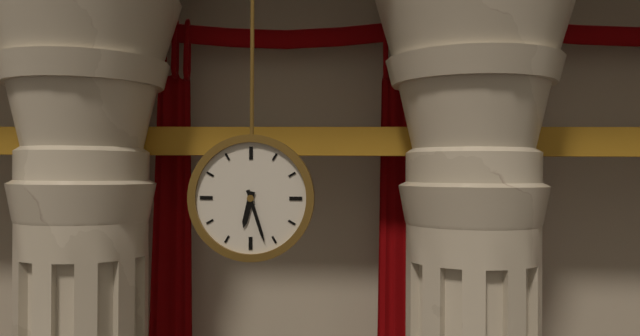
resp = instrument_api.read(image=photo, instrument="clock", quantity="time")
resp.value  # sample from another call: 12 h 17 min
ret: 6 h 27 min
